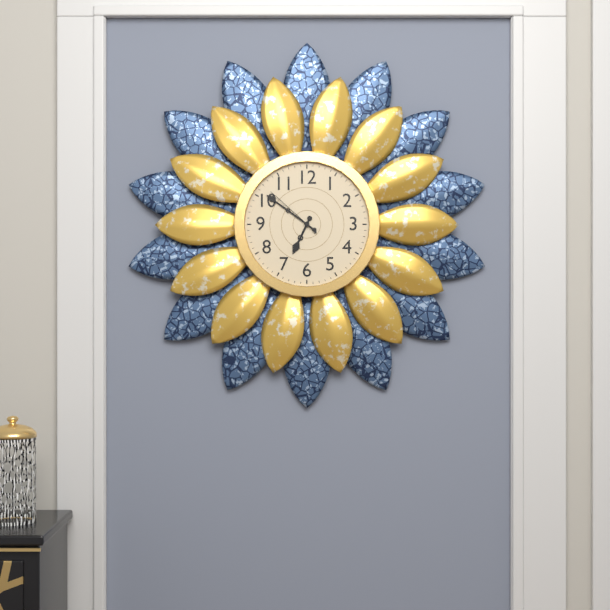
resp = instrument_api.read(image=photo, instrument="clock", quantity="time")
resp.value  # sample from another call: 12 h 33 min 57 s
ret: 6 h 51 min 52 s
